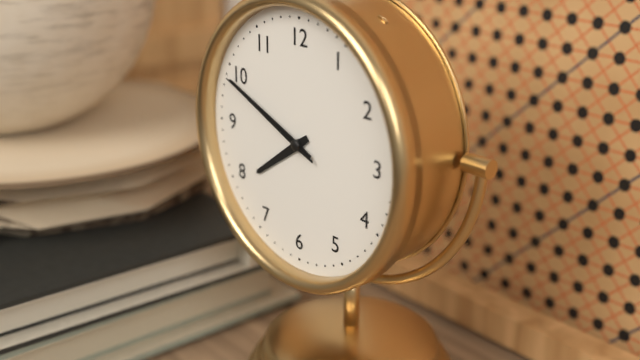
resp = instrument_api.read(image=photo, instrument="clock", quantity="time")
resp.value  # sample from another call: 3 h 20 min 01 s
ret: 7 h 49 min 49 s
